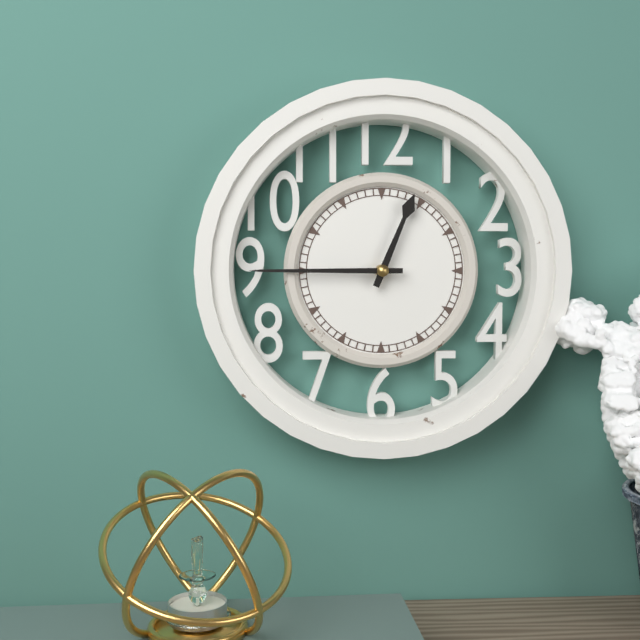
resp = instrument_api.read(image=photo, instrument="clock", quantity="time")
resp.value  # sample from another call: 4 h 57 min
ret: 12 h 45 min
